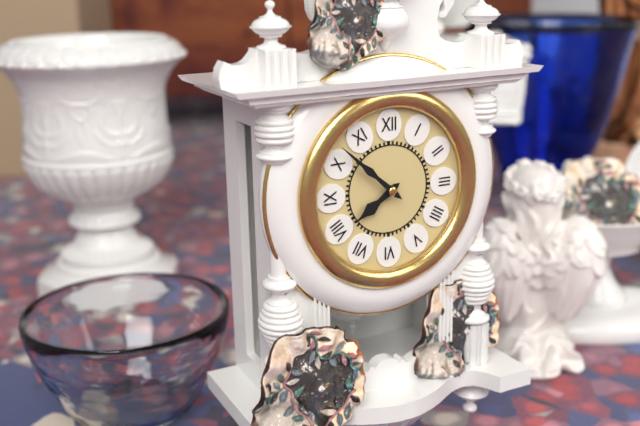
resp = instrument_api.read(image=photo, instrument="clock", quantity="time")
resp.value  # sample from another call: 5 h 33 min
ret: 7 h 52 min
